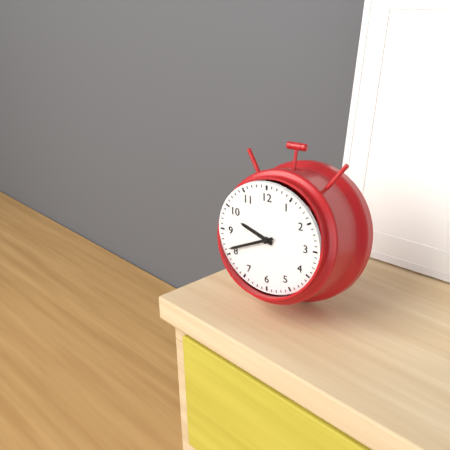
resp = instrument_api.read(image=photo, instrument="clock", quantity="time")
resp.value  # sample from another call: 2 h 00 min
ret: 9 h 41 min
